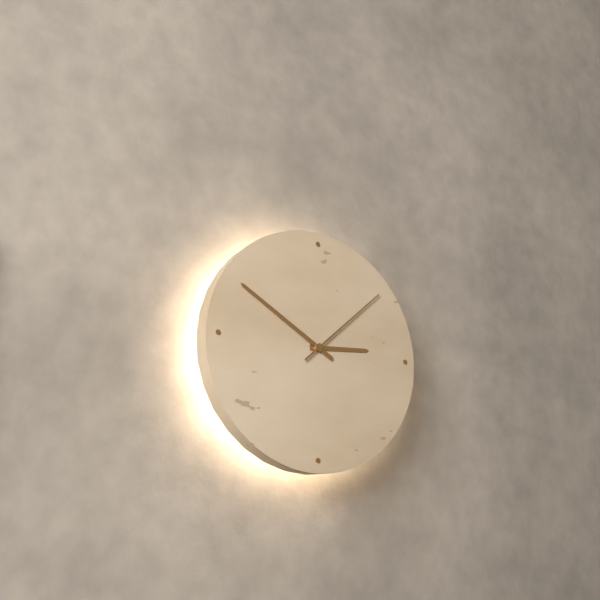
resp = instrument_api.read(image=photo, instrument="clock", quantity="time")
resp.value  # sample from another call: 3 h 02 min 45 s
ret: 2 h 50 min 08 s
